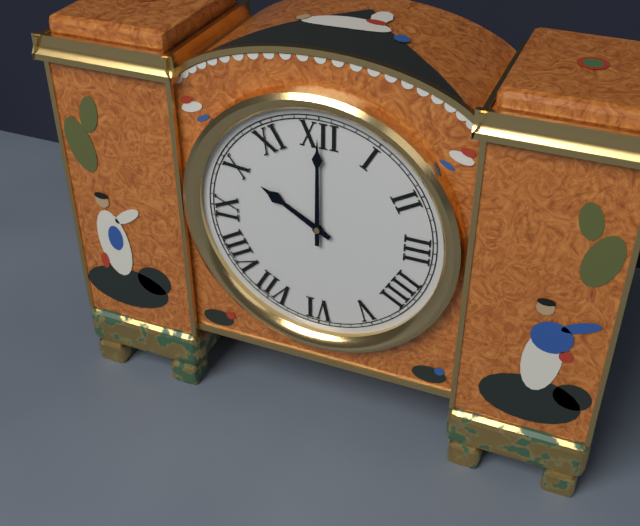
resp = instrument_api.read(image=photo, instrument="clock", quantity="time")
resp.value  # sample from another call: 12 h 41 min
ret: 10 h 00 min
